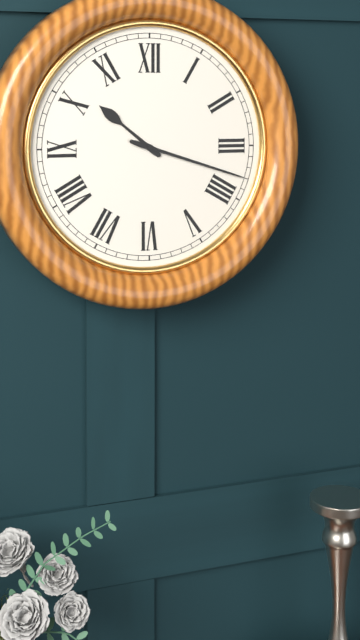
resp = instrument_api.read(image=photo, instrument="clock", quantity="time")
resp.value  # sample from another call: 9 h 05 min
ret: 10 h 18 min
